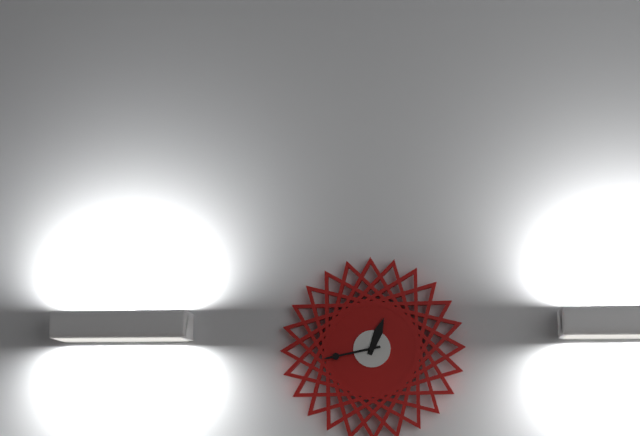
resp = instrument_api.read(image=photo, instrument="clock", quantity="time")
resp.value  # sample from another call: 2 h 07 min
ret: 12 h 43 min
